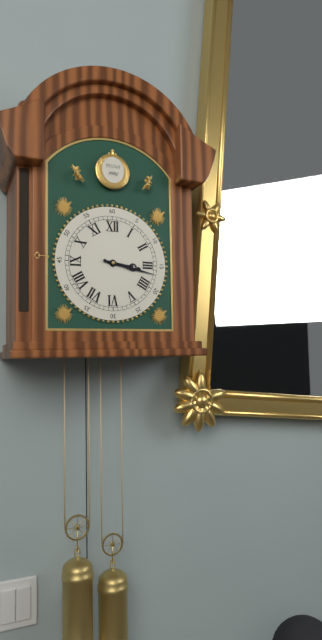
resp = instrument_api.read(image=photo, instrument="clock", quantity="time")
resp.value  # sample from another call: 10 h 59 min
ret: 3 h 17 min
